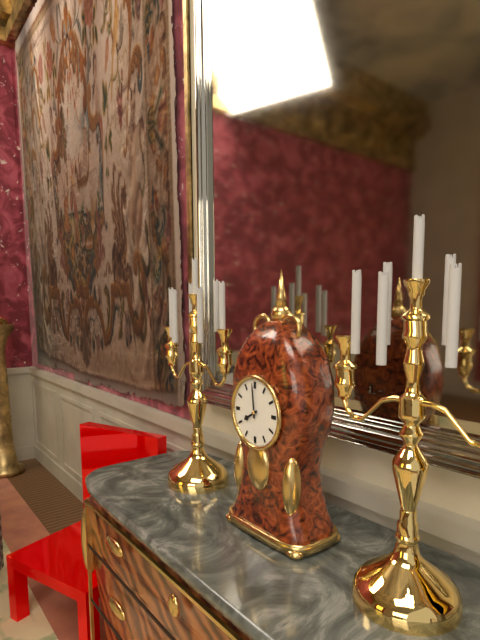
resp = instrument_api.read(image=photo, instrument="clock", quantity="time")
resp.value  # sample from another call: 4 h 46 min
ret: 7 h 59 min
